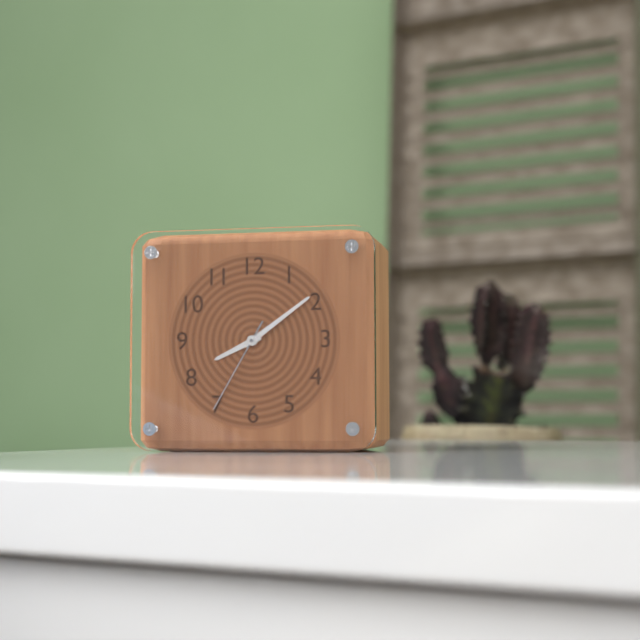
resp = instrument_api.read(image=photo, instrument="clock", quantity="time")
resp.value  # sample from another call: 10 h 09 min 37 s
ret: 8 h 09 min 35 s
